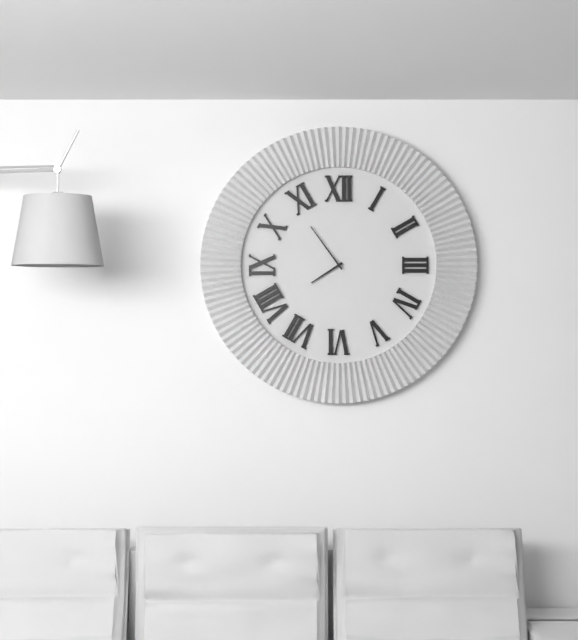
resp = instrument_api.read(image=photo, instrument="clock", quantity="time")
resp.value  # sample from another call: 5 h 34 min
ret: 7 h 54 min
